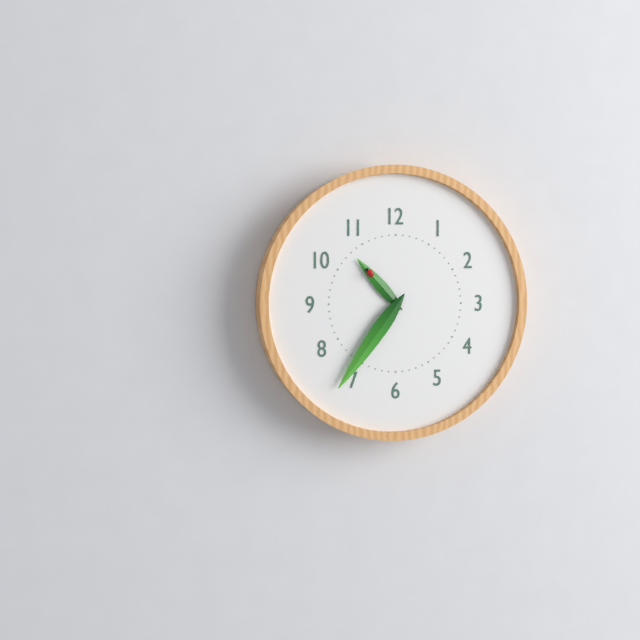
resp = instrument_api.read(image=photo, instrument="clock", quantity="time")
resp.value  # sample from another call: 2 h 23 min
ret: 10 h 36 min
